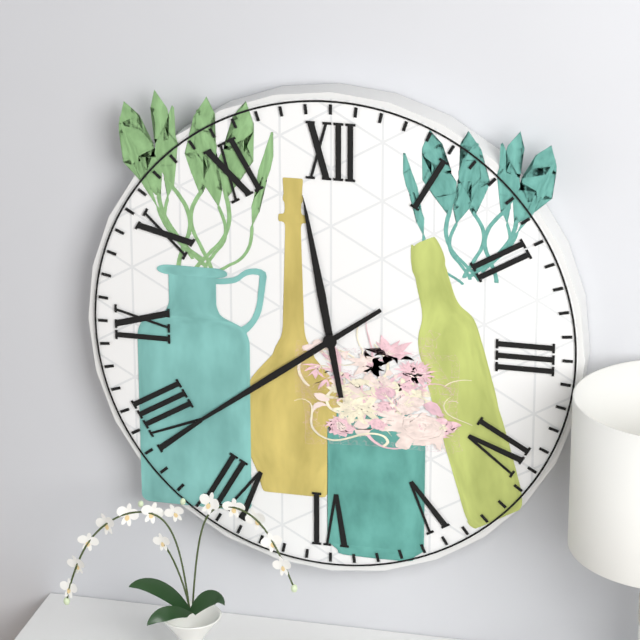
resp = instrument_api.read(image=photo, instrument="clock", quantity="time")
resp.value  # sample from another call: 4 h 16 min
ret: 11 h 39 min
